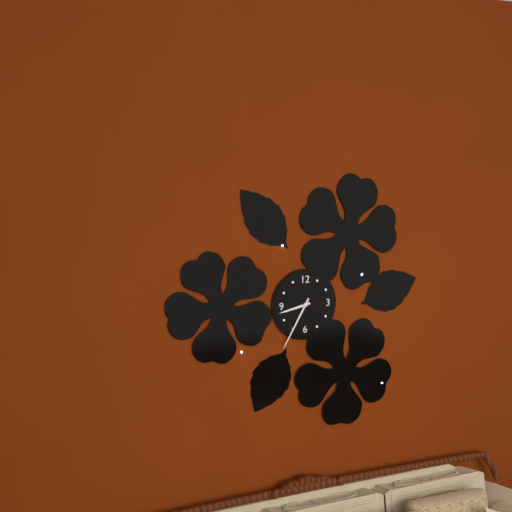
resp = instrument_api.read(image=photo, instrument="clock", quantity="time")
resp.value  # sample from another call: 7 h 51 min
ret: 8 h 35 min
